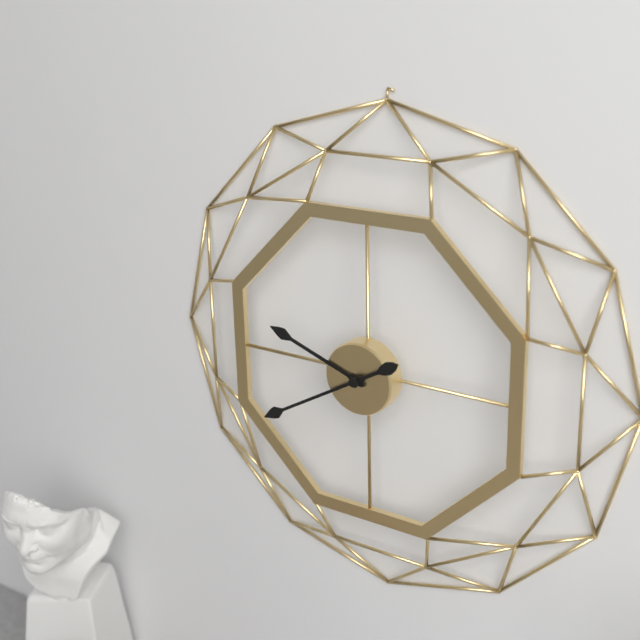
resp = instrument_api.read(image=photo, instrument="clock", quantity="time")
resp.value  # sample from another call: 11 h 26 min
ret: 9 h 40 min
